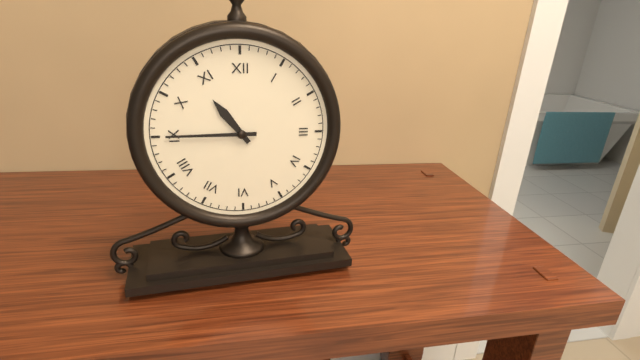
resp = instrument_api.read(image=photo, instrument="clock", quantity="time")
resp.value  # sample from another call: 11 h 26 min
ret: 10 h 45 min
